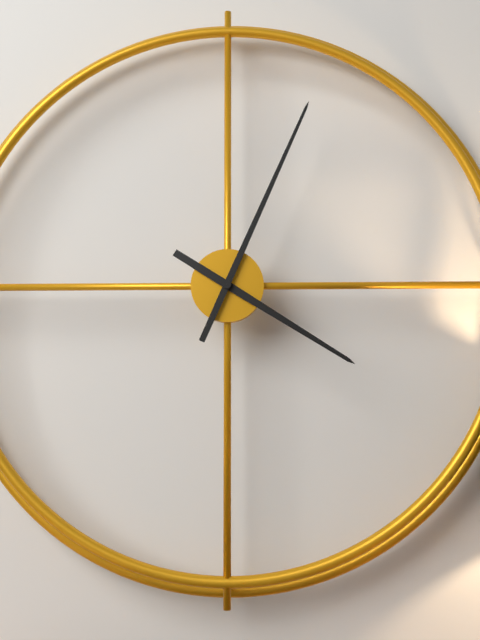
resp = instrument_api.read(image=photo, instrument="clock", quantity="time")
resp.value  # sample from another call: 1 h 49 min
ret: 4 h 04 min
